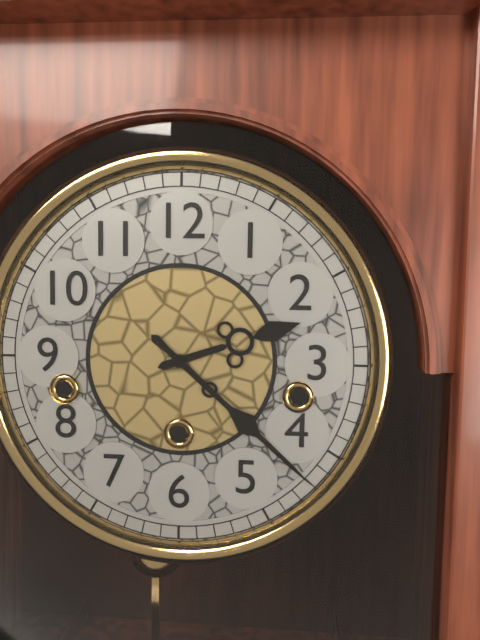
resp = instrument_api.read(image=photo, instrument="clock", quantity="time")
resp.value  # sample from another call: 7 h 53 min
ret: 2 h 22 min
